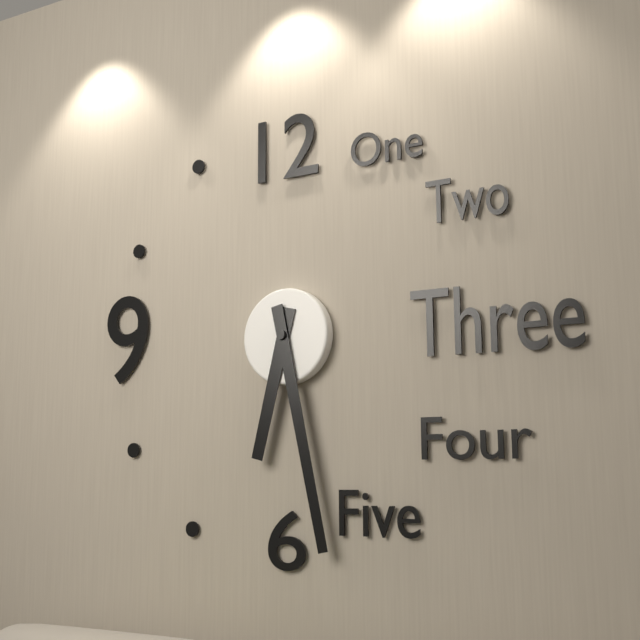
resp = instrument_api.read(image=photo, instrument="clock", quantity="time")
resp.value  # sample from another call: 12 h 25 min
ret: 6 h 28 min
